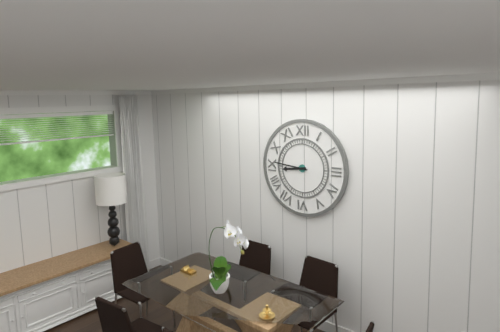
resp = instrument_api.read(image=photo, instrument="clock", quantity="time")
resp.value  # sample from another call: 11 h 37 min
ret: 8 h 46 min
